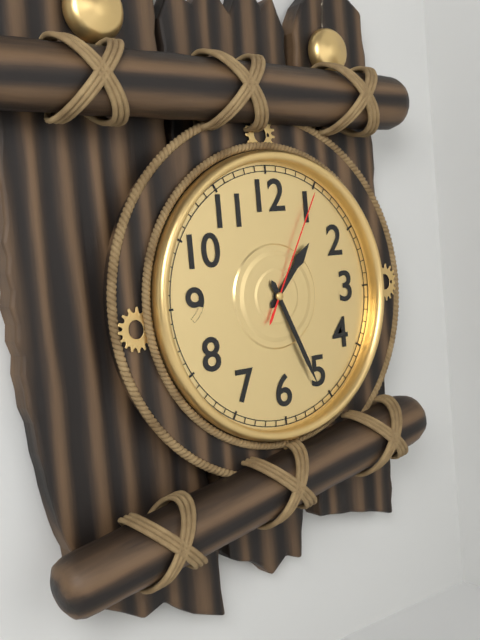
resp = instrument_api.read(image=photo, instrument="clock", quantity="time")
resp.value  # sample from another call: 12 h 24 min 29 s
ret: 1 h 26 min 05 s
